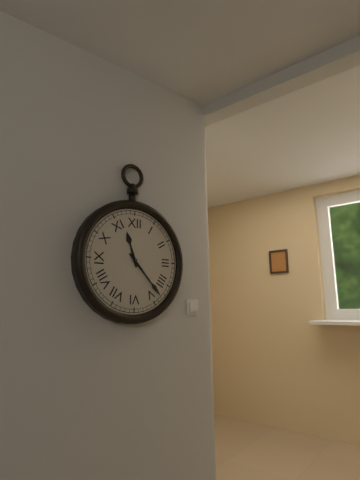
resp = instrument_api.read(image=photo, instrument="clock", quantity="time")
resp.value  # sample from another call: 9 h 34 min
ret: 11 h 23 min
